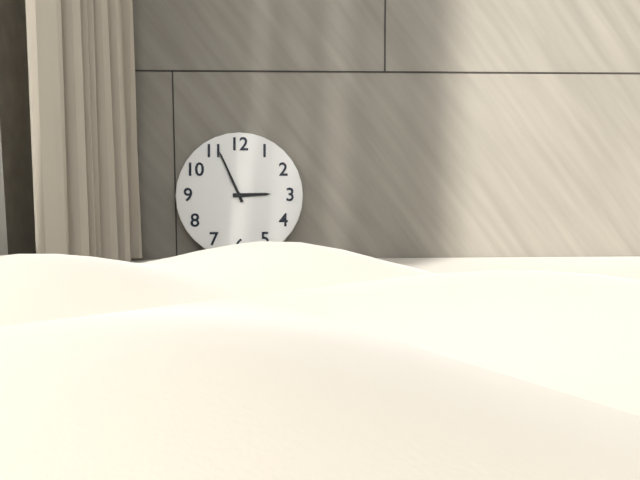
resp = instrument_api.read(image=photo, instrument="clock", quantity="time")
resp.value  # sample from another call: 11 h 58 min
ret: 2 h 56 min
